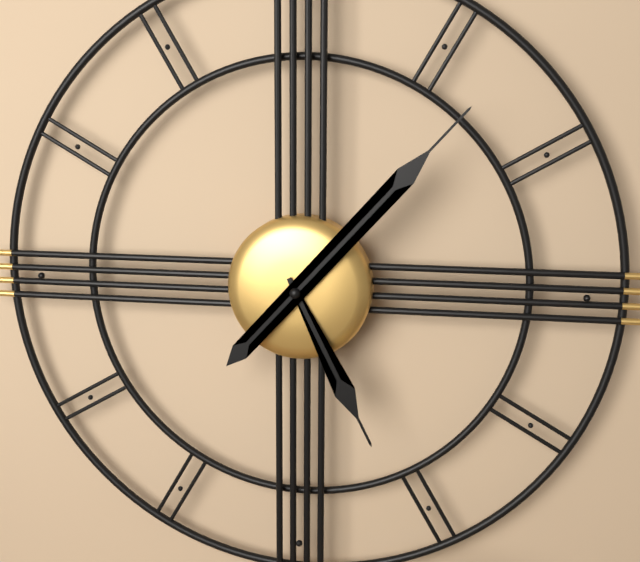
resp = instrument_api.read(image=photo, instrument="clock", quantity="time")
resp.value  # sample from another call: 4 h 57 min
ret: 5 h 07 min
